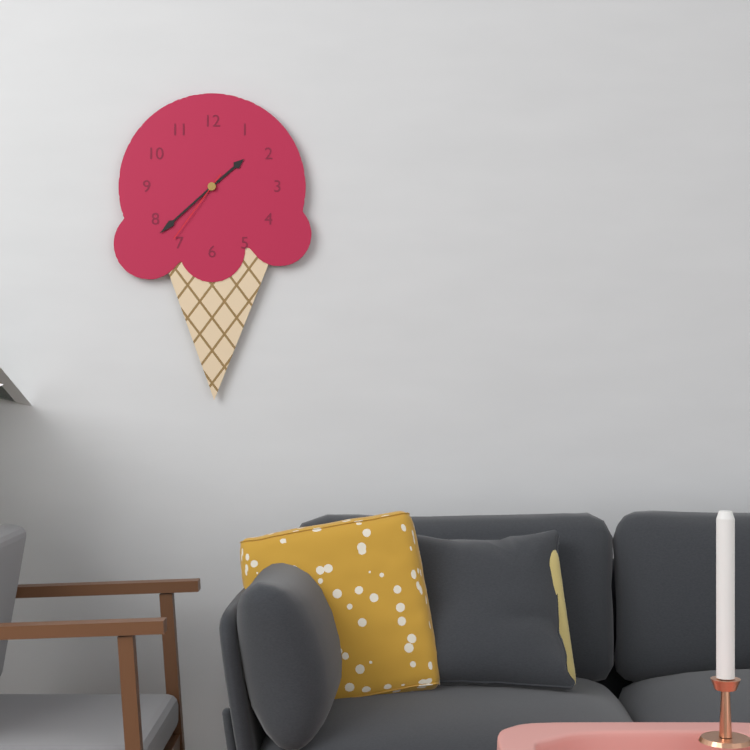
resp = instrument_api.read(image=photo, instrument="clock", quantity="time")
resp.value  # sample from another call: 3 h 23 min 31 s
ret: 1 h 38 min 36 s
